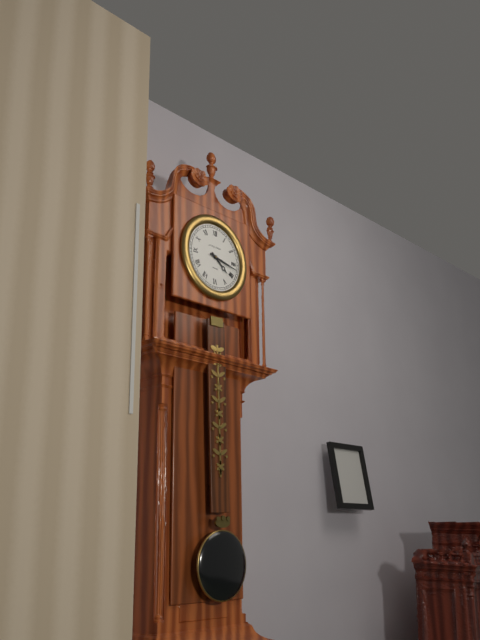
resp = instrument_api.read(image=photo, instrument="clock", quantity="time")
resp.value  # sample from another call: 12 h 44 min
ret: 4 h 17 min
